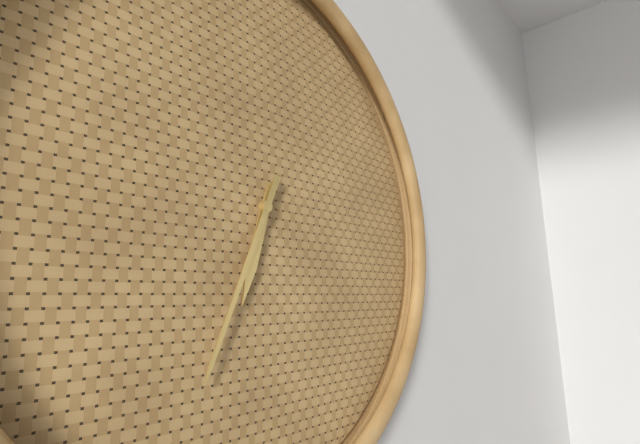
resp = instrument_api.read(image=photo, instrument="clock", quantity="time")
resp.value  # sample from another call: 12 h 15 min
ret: 6 h 34 min
